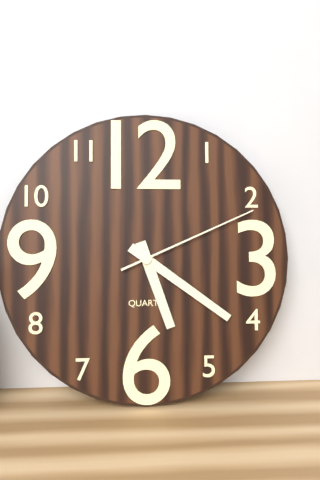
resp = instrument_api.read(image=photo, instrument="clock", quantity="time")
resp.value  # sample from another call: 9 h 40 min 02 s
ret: 5 h 21 min 11 s
